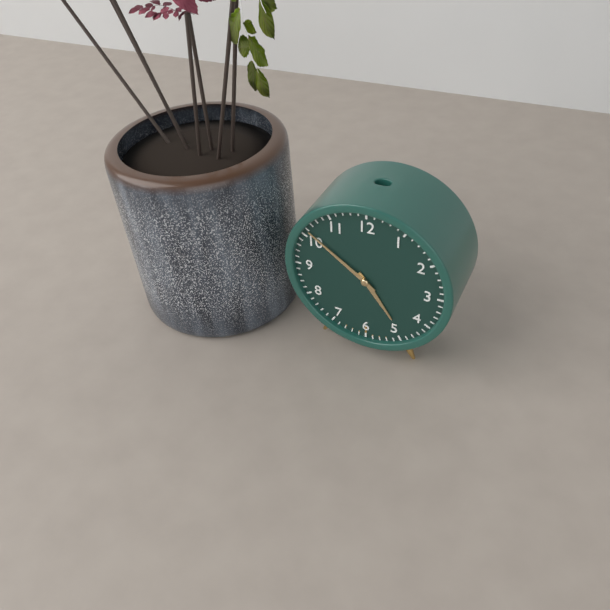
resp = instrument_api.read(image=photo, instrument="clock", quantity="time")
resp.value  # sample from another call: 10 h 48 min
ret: 4 h 51 min
